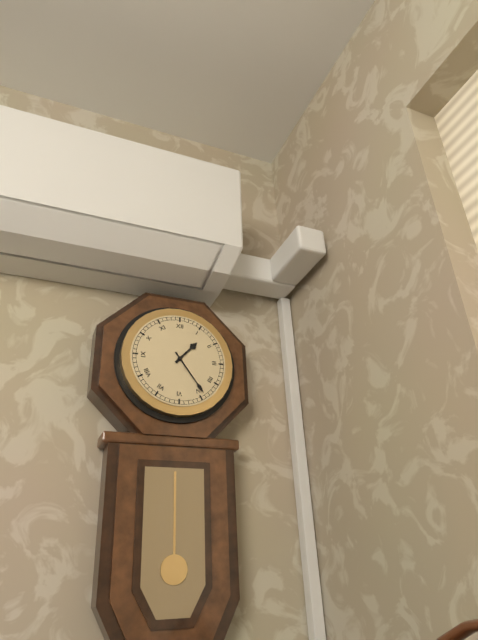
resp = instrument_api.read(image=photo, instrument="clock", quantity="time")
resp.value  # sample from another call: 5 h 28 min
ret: 1 h 24 min
